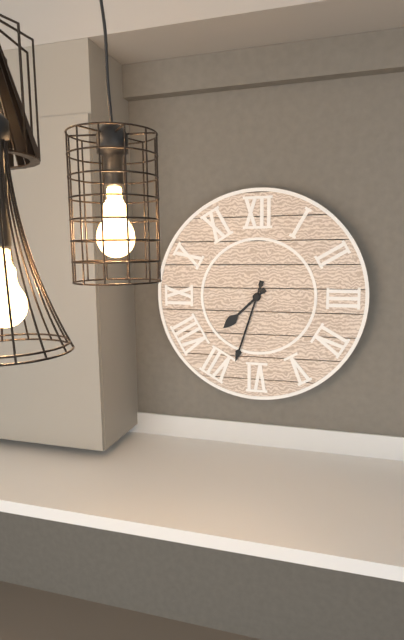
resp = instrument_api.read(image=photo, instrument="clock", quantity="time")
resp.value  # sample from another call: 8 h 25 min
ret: 7 h 33 min
